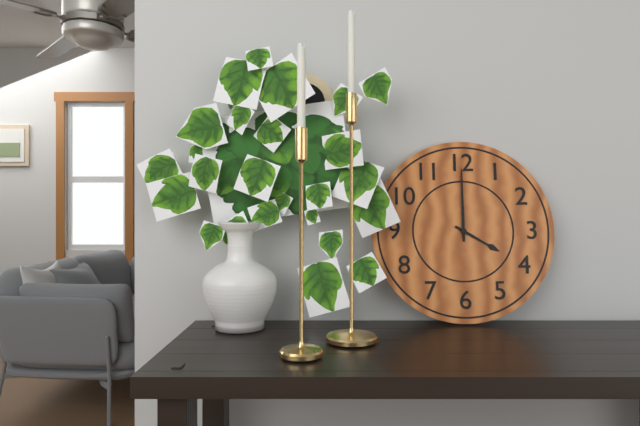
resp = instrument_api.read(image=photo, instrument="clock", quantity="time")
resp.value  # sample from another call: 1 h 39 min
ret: 4 h 00 min
